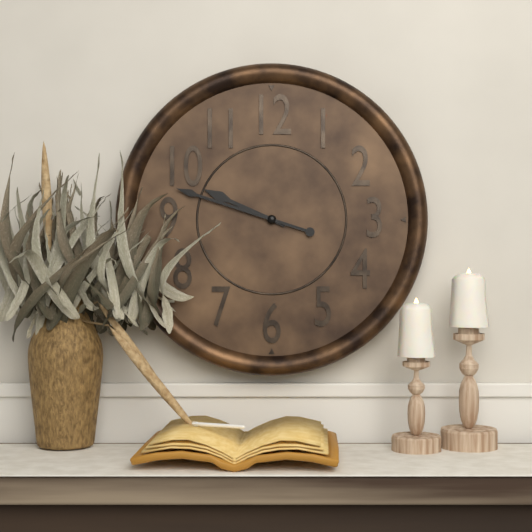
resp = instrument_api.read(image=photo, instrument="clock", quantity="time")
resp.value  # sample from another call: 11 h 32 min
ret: 9 h 48 min
